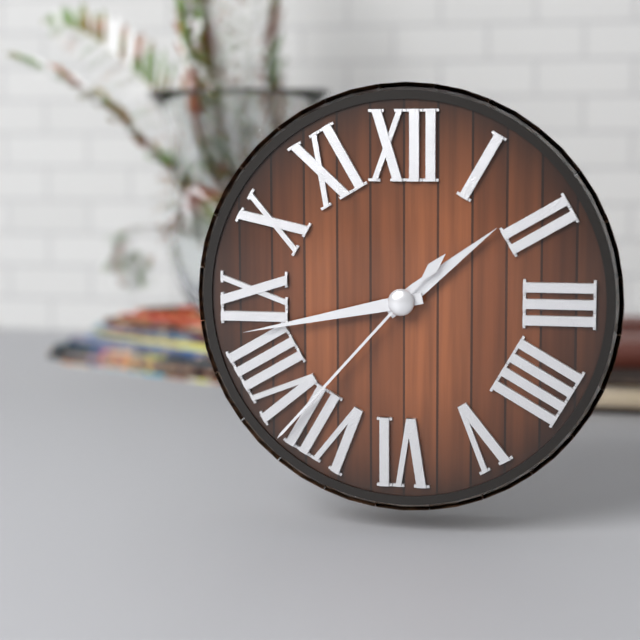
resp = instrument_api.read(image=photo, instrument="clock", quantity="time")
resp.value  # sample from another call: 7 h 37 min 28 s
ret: 1 h 43 min 37 s
